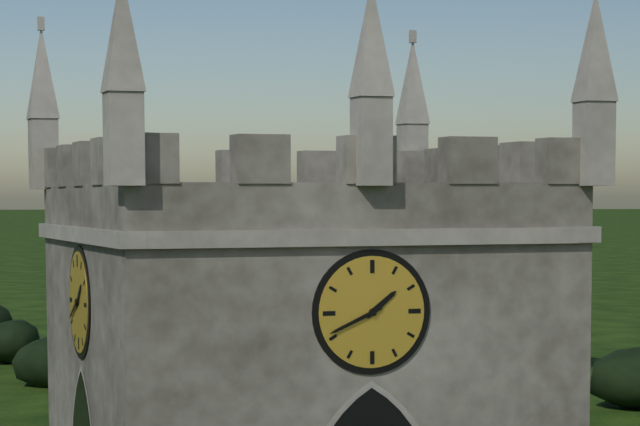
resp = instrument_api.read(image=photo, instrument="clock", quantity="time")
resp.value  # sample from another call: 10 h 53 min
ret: 1 h 41 min
